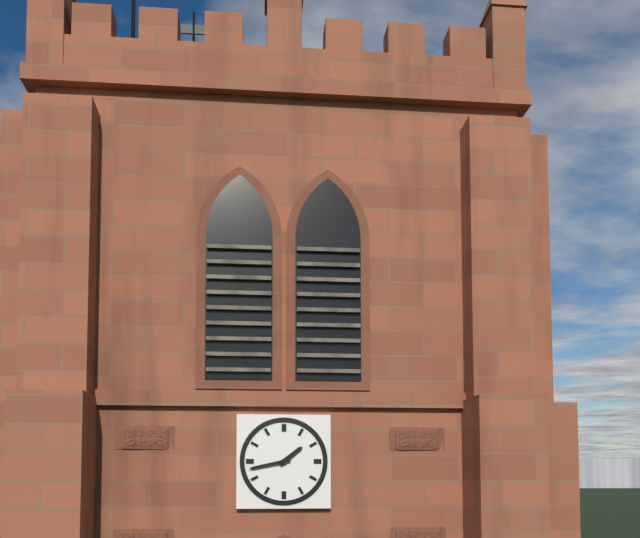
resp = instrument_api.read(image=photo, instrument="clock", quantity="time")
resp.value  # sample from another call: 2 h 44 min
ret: 1 h 43 min
